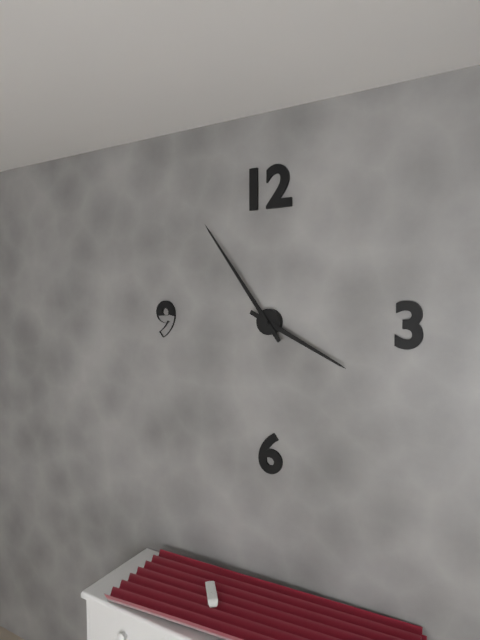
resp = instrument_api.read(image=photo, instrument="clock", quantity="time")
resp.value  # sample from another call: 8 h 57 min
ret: 3 h 54 min
